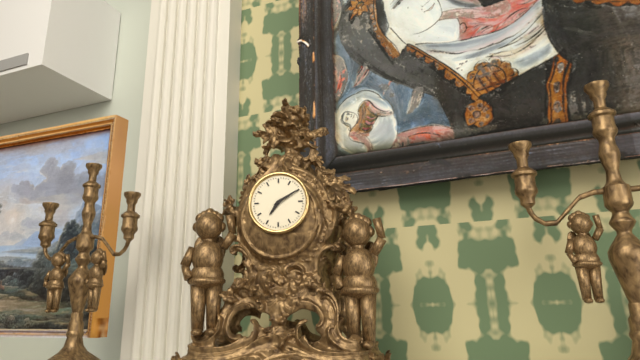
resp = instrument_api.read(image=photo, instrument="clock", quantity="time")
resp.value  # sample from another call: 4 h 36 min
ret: 7 h 10 min
